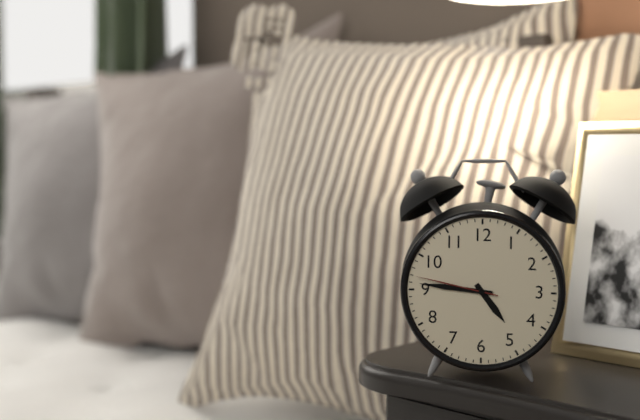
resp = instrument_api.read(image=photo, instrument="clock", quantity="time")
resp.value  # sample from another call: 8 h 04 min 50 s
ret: 4 h 46 min 47 s
